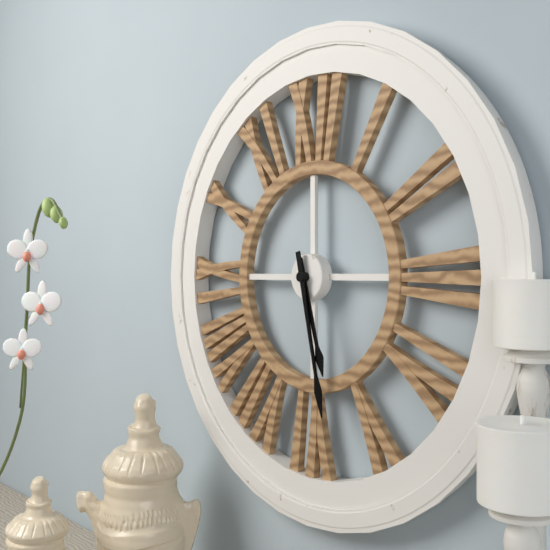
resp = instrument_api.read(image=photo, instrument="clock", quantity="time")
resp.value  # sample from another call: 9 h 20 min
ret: 5 h 28 min
